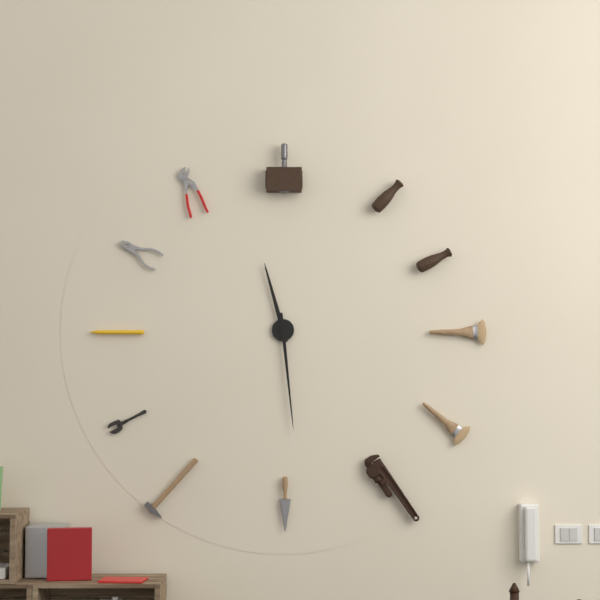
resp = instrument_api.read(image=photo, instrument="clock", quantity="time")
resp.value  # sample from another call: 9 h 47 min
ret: 11 h 29 min
